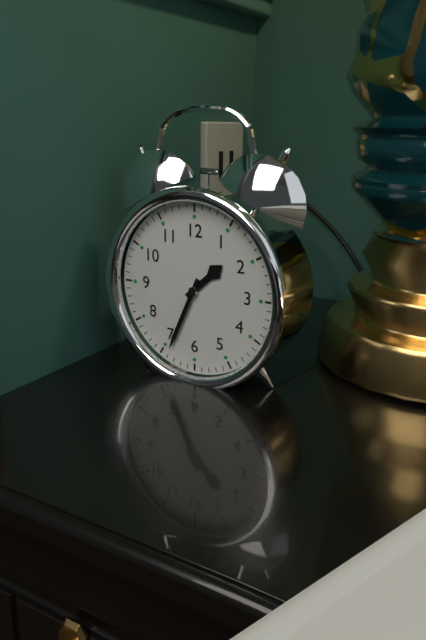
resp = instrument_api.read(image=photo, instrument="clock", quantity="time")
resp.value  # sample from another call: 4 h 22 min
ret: 1 h 34 min
